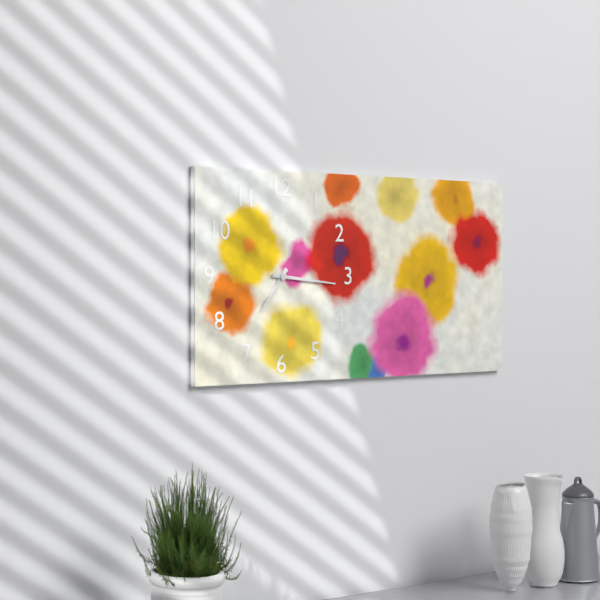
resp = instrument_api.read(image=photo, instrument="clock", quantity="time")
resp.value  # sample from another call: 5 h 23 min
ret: 7 h 16 min
